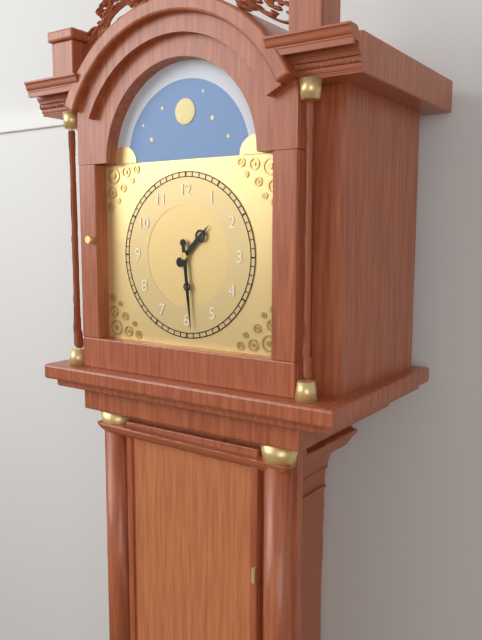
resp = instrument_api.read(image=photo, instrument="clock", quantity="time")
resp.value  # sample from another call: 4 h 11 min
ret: 1 h 29 min
